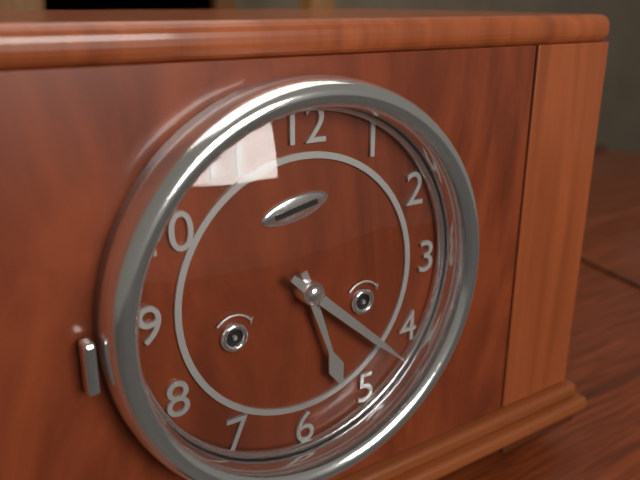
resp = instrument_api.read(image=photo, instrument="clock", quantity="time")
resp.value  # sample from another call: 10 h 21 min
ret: 5 h 22 min
